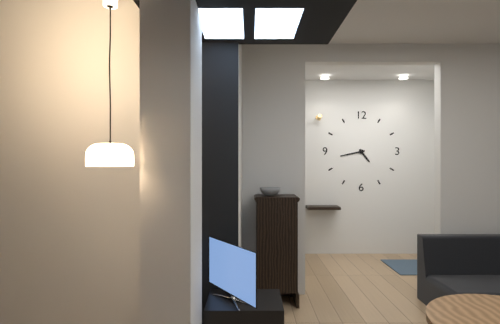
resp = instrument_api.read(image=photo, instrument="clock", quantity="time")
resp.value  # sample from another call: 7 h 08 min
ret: 4 h 43 min
